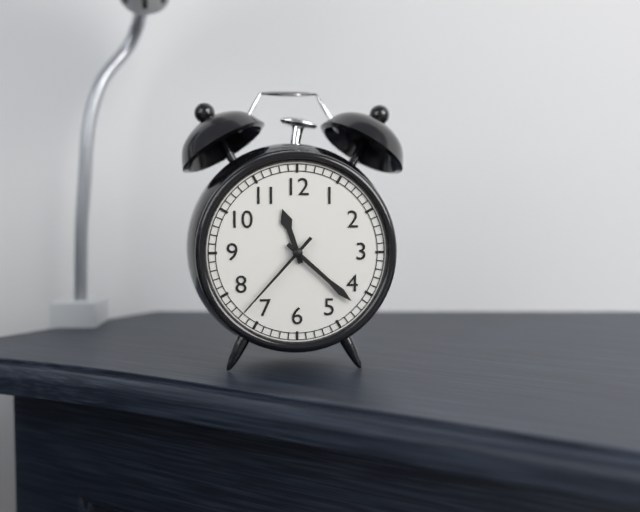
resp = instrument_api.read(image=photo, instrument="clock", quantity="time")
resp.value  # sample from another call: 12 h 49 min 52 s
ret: 11 h 22 min 37 s
